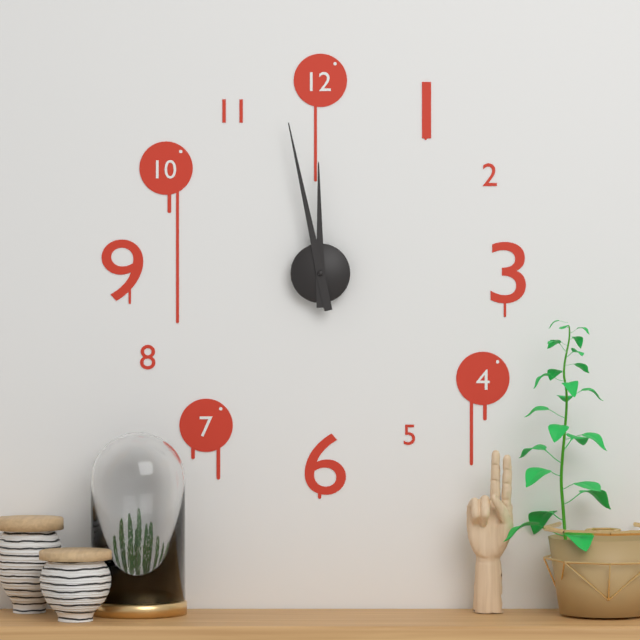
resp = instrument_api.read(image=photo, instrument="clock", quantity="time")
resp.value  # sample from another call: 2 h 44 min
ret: 11 h 58 min
